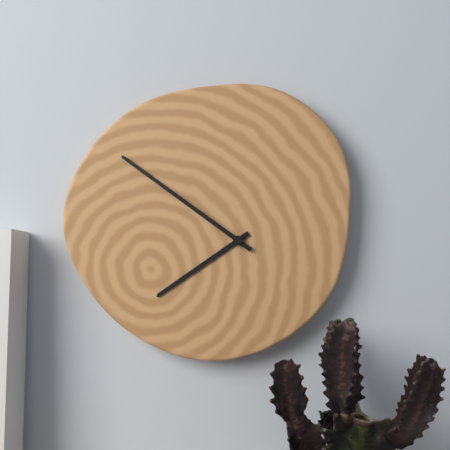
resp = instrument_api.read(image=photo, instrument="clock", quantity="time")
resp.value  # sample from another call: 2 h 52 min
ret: 7 h 51 min
